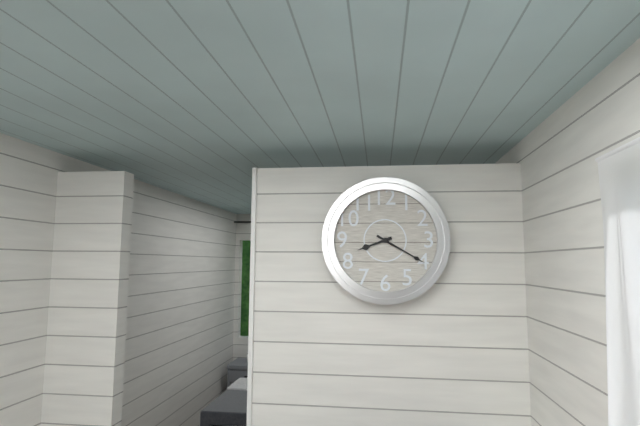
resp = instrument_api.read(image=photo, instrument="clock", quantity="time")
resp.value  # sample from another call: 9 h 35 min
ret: 8 h 20 min
